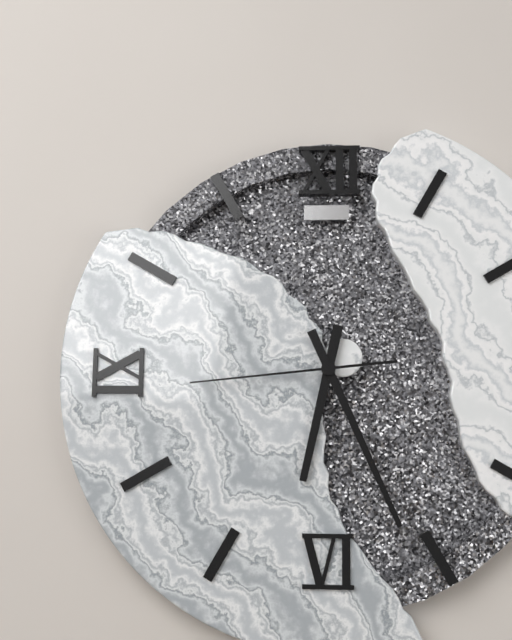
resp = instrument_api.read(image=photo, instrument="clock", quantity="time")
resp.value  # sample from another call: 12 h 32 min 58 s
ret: 6 h 26 min 44 s
